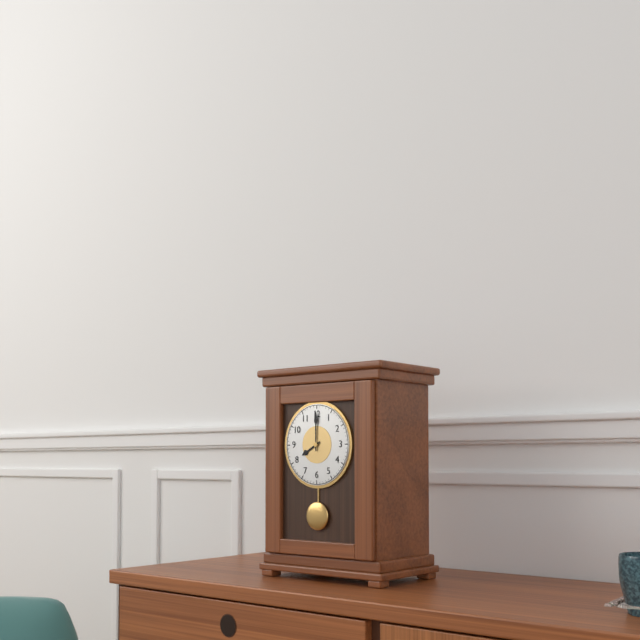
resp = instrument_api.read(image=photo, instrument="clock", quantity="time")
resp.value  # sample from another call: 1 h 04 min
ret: 8 h 00 min
